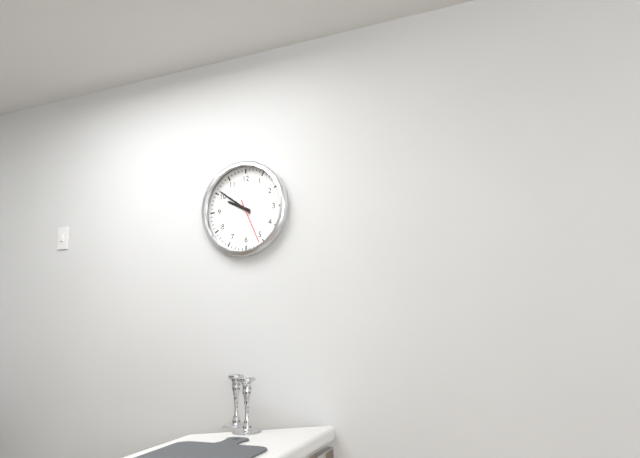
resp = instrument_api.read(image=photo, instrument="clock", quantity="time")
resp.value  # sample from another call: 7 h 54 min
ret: 9 h 51 min
